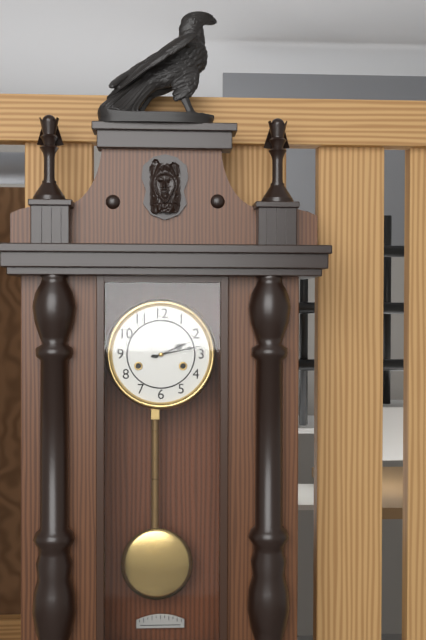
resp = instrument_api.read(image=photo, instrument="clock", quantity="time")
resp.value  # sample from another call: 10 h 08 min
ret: 2 h 13 min
